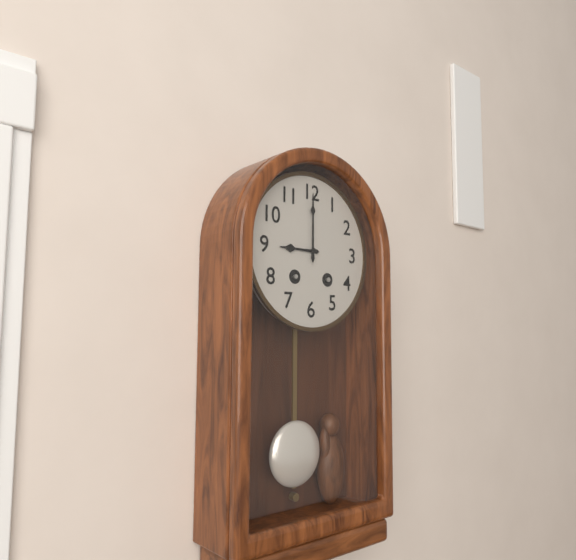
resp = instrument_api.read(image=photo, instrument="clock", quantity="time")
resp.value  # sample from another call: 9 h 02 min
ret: 9 h 00 min
